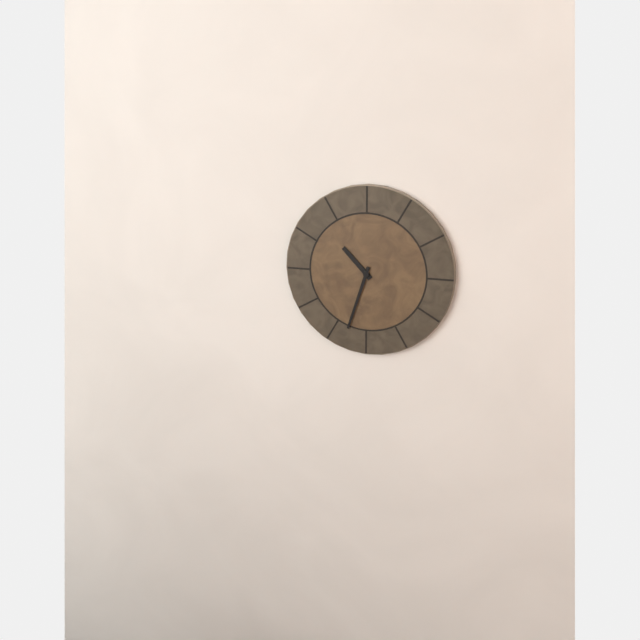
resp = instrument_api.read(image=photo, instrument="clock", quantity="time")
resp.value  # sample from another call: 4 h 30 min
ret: 10 h 33 min
